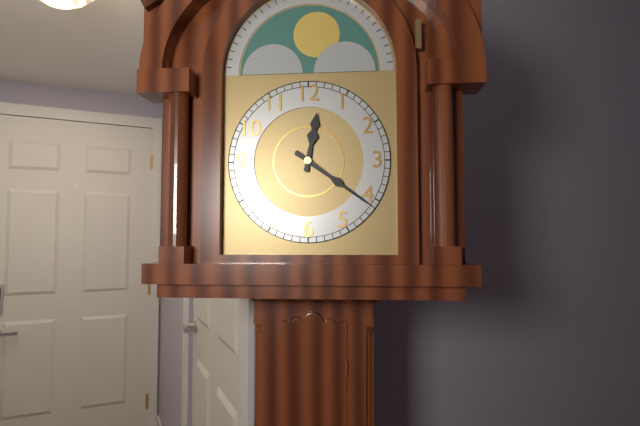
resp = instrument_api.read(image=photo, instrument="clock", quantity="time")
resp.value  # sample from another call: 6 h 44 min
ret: 12 h 21 min
